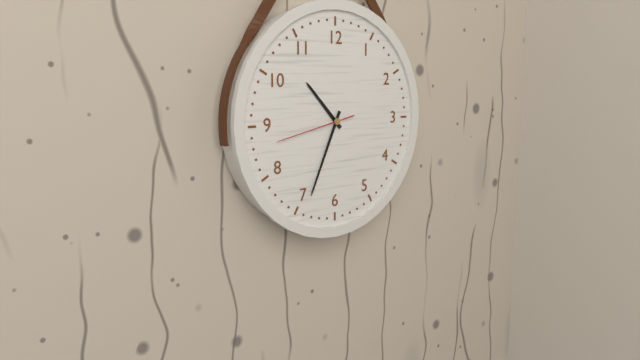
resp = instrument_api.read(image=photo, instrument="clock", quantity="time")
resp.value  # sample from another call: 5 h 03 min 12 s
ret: 10 h 34 min 43 s
